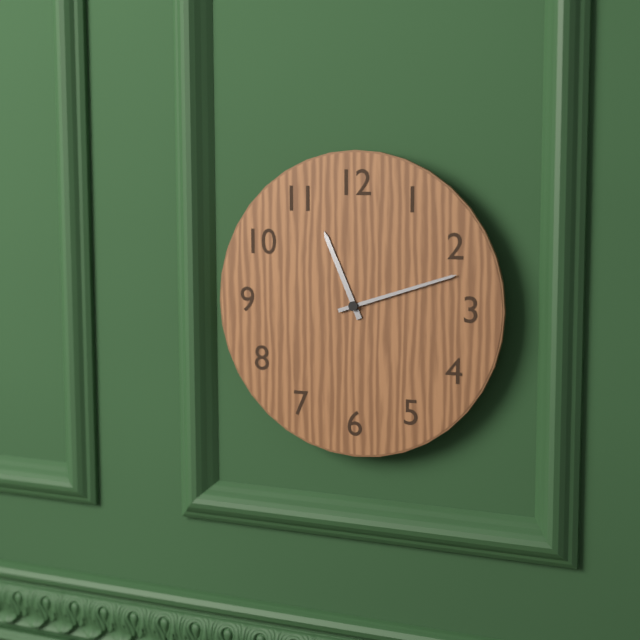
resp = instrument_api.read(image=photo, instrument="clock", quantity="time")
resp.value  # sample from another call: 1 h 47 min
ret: 11 h 12 min
